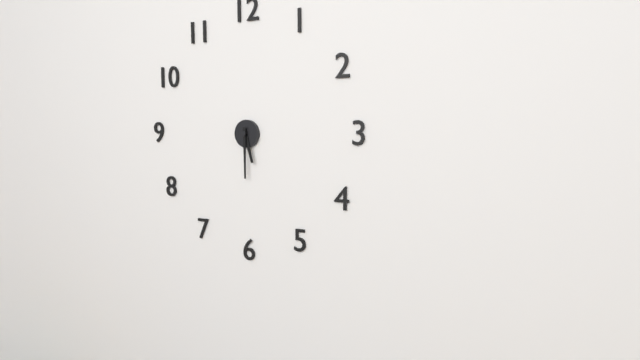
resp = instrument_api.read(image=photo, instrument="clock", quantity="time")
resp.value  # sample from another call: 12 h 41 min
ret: 5 h 30 min
